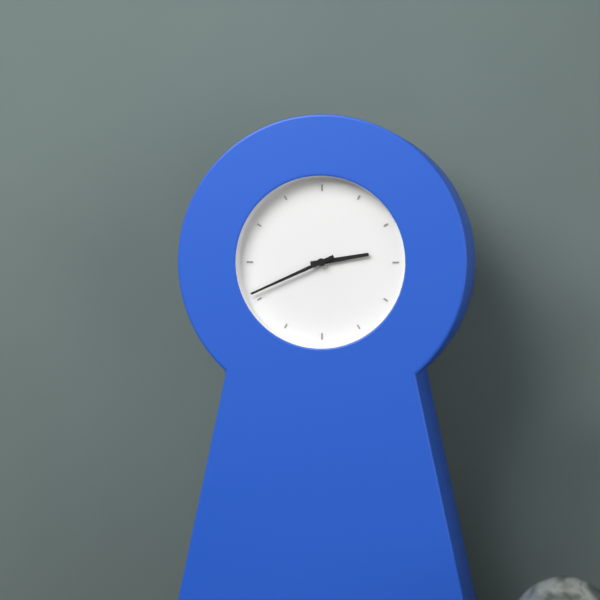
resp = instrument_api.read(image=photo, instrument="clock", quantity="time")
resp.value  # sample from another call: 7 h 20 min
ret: 2 h 41 min
